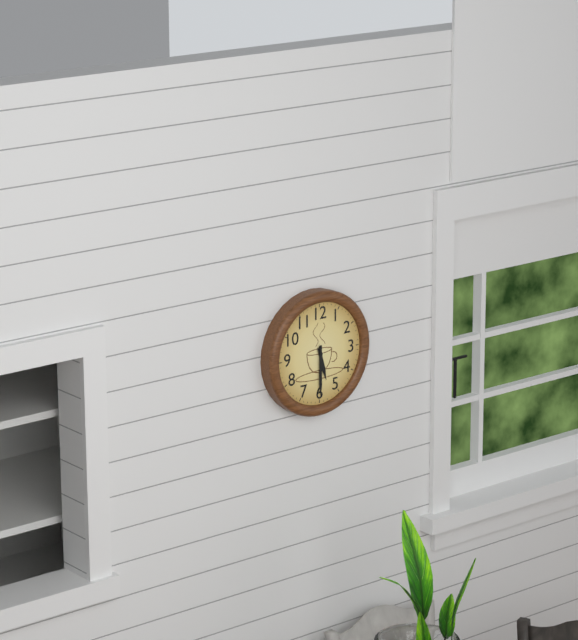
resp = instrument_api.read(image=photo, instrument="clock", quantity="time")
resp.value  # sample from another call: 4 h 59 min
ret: 5 h 30 min
